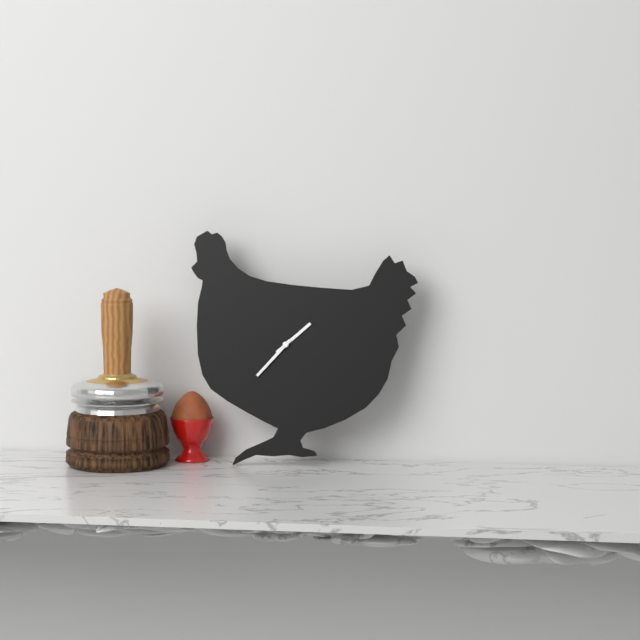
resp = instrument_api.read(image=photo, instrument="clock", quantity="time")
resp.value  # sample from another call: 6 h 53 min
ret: 1 h 37 min
